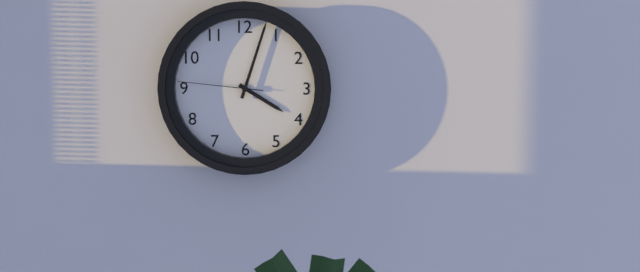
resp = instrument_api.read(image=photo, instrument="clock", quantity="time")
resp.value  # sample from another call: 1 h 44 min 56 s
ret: 4 h 03 min 46 s
